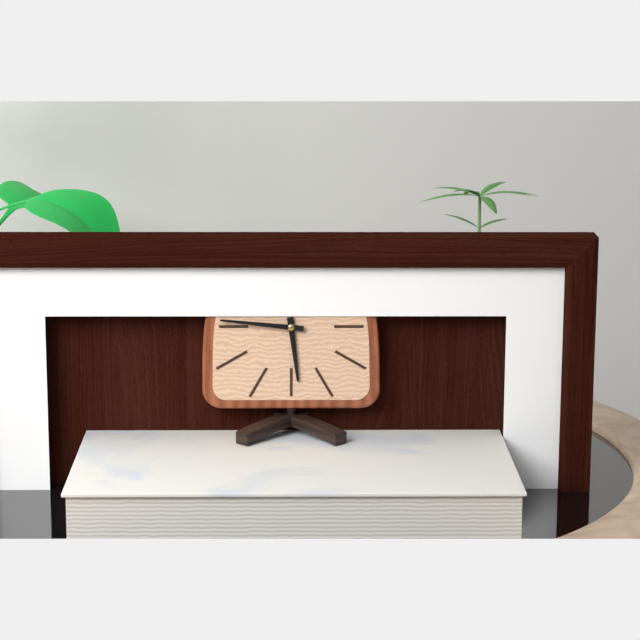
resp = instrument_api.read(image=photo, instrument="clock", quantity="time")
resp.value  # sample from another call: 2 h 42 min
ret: 5 h 46 min
